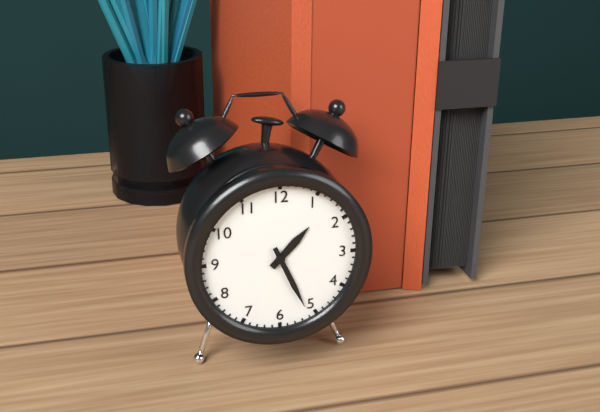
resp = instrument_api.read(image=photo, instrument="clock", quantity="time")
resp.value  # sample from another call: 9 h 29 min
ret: 1 h 26 min
